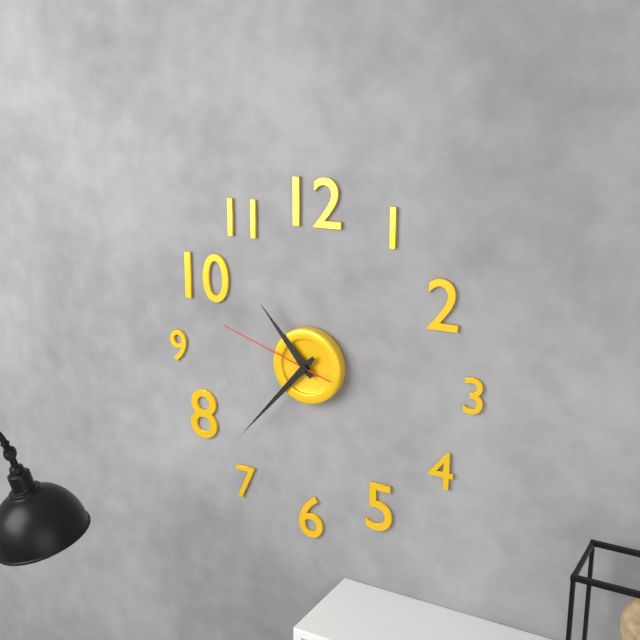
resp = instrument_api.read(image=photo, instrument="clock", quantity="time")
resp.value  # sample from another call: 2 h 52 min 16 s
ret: 10 h 37 min 48 s
